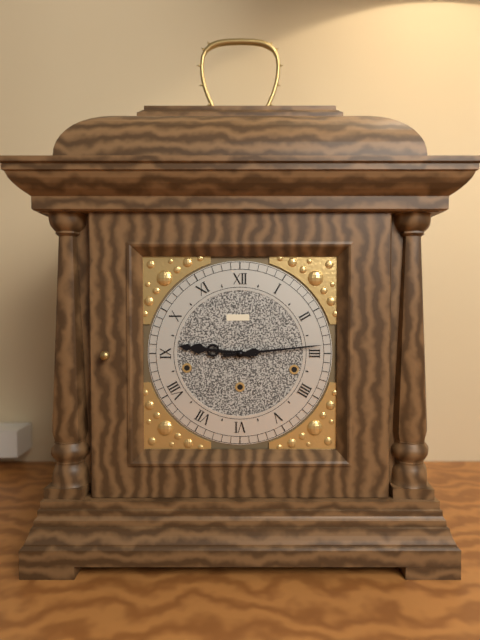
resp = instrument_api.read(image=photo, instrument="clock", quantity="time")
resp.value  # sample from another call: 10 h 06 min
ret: 9 h 14 min
